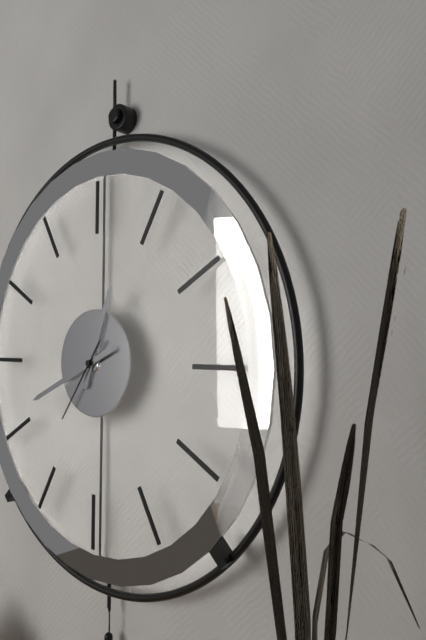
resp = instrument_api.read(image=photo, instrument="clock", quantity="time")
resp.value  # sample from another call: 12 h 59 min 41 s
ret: 12 h 41 min 36 s
